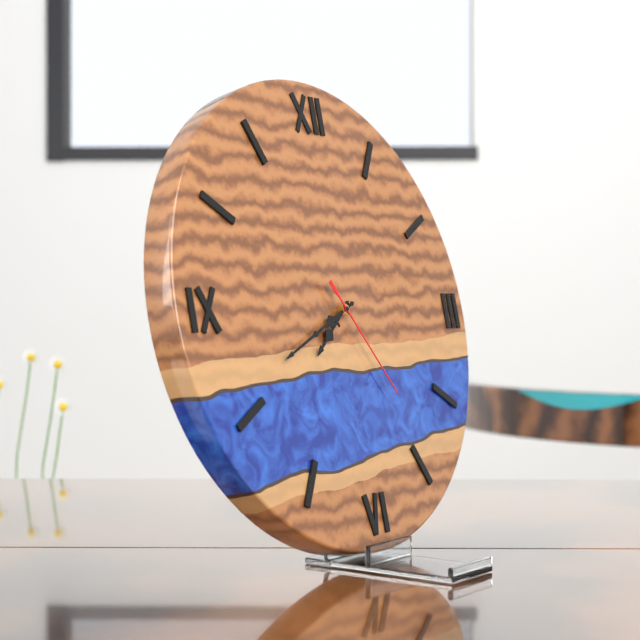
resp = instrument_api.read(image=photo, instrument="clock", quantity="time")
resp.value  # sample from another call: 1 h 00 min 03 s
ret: 7 h 41 min 24 s
